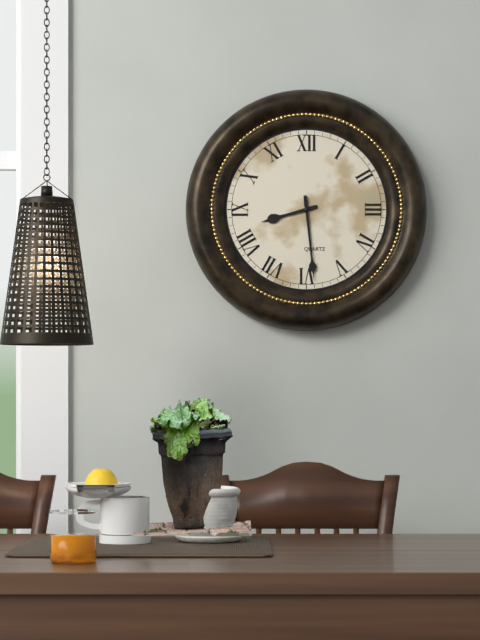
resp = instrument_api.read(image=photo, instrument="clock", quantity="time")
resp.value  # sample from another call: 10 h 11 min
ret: 8 h 29 min
